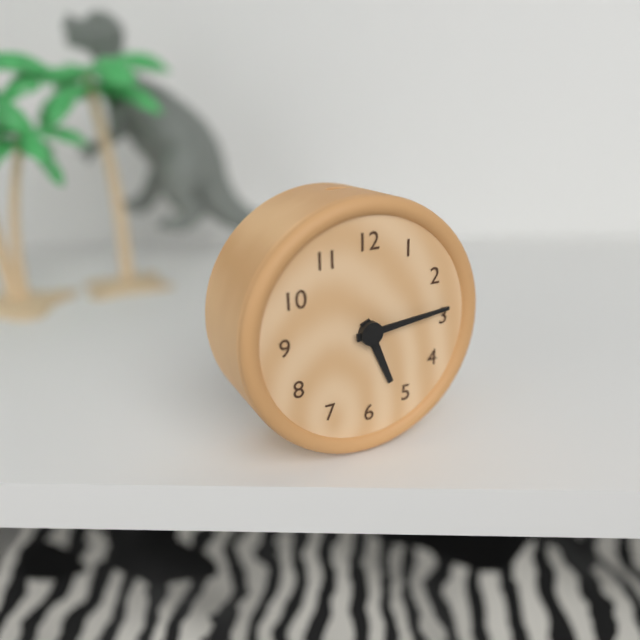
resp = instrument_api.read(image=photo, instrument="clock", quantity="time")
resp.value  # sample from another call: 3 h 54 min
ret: 5 h 14 min
